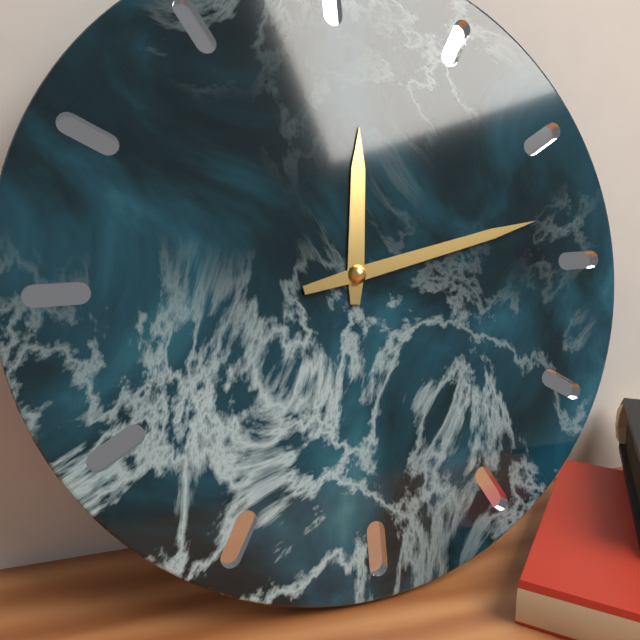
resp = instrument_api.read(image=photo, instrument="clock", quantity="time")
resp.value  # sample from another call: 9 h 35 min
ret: 12 h 13 min
